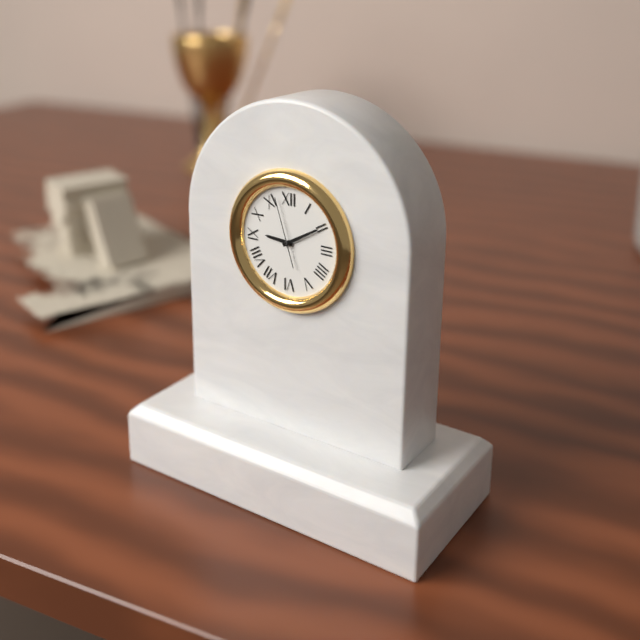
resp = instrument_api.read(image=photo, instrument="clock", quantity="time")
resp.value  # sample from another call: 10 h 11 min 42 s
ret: 9 h 10 min 57 s
